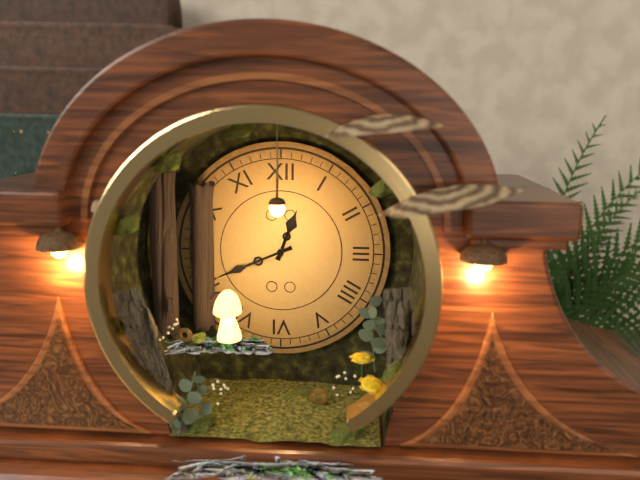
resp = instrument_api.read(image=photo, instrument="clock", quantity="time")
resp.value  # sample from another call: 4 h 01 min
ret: 12 h 41 min
